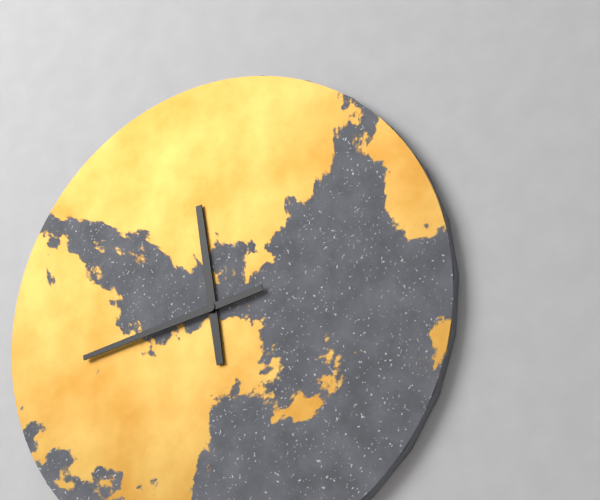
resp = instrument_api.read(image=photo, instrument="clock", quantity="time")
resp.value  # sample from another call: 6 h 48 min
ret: 11 h 43 min
